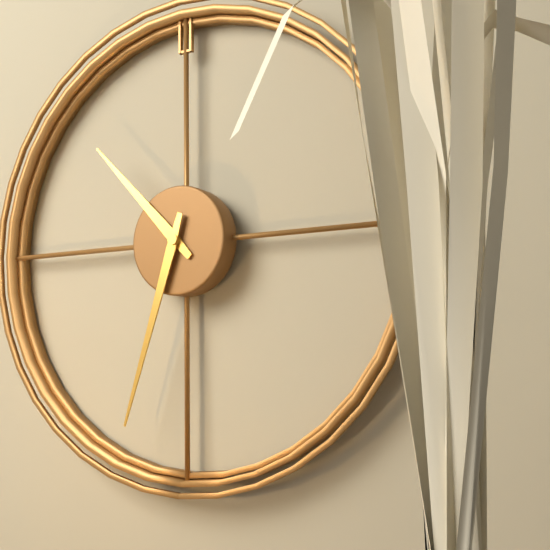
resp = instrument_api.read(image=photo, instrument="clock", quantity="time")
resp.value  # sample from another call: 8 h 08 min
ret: 10 h 33 min
